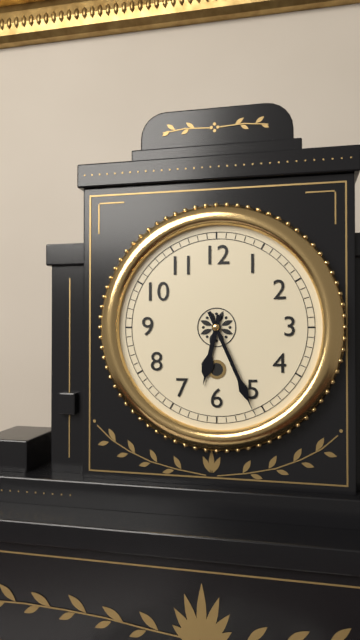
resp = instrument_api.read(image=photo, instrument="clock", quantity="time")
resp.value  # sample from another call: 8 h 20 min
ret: 6 h 26 min
